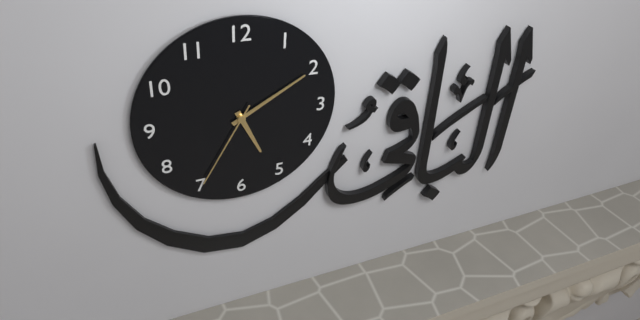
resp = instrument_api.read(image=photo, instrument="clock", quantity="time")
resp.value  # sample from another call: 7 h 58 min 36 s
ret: 5 h 10 min 35 s
